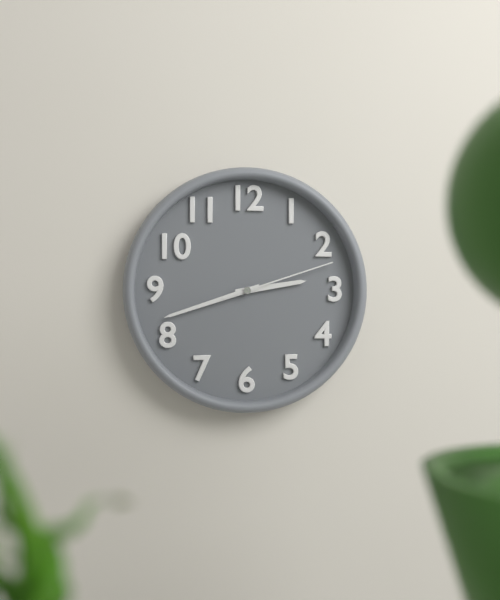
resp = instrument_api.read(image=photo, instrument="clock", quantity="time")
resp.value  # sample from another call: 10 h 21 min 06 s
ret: 2 h 42 min 12 s
